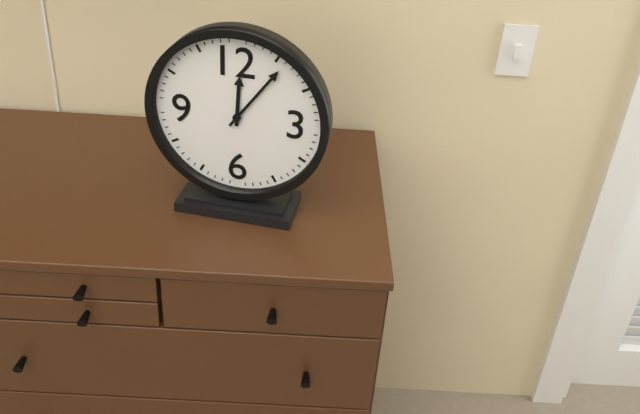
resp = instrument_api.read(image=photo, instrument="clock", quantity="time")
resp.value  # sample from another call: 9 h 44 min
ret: 12 h 06 min
